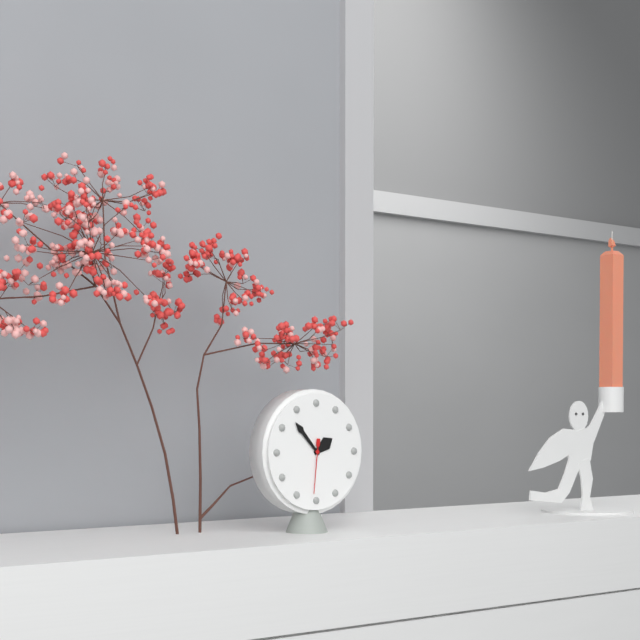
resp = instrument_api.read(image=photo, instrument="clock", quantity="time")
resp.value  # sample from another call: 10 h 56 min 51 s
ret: 1 h 53 min 31 s
